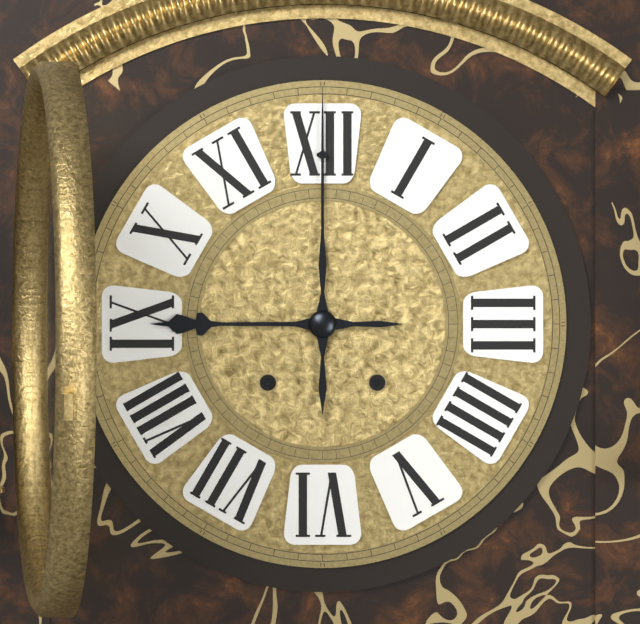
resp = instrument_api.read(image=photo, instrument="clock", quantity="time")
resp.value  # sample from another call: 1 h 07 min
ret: 9 h 00 min
